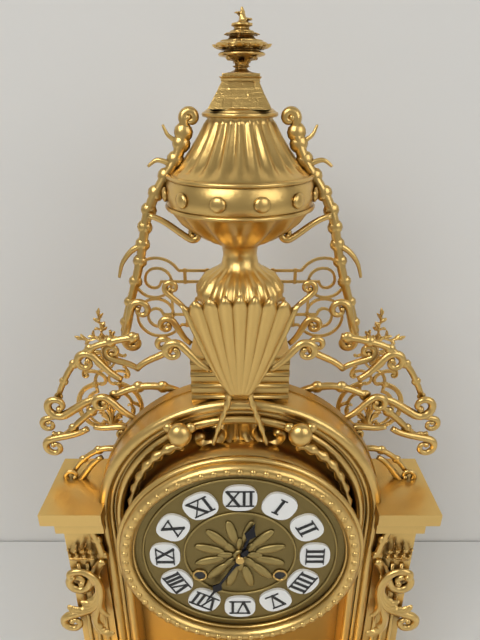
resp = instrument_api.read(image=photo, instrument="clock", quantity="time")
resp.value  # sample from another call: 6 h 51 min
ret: 12 h 35 min
